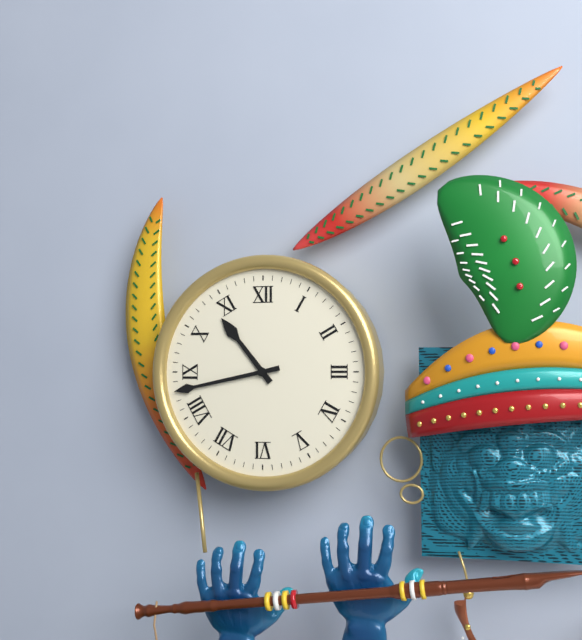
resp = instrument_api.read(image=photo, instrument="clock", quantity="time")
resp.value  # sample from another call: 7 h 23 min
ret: 10 h 43 min
